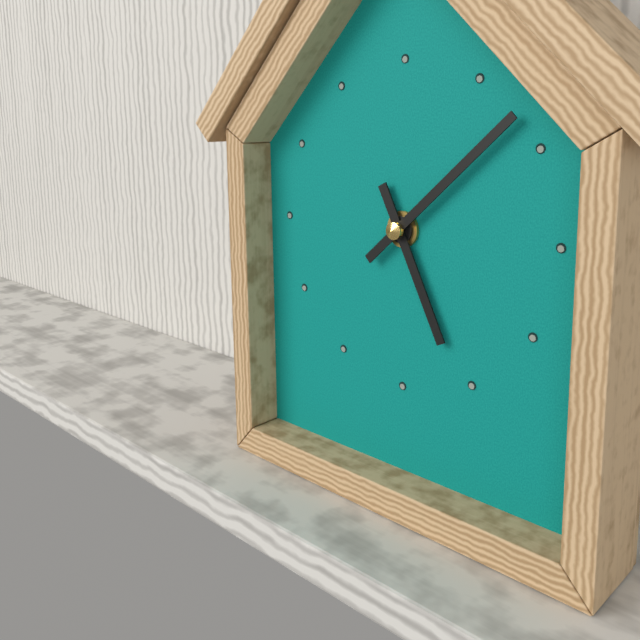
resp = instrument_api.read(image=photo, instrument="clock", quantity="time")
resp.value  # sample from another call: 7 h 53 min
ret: 5 h 08 min
